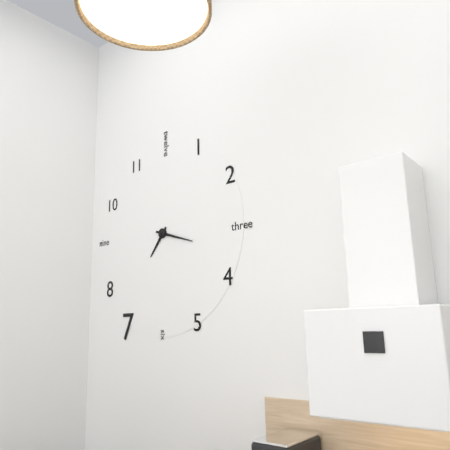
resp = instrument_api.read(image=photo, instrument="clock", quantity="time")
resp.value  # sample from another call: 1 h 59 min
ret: 7 h 18 min
